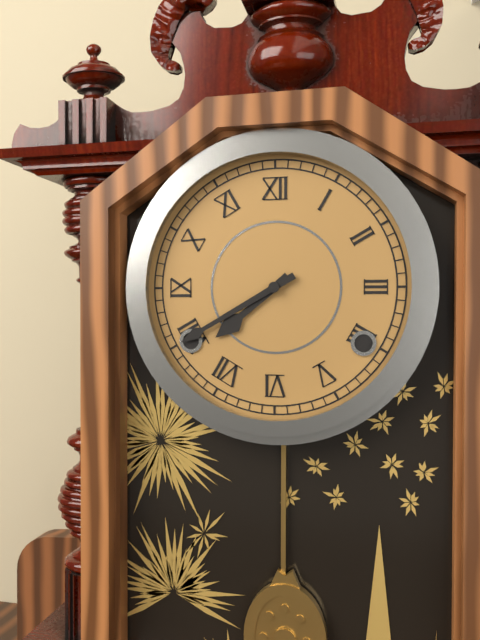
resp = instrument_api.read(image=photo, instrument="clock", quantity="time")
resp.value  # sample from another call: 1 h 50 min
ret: 7 h 40 min
